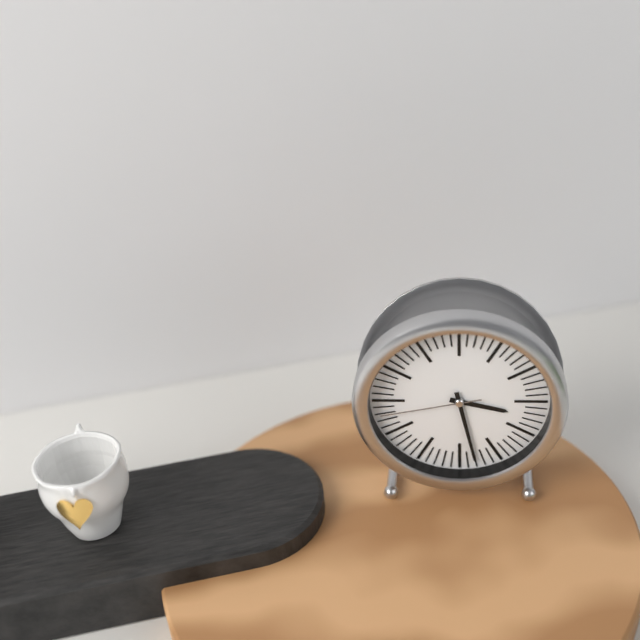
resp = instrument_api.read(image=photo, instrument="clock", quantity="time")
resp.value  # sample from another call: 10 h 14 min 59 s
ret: 3 h 28 min 43 s
